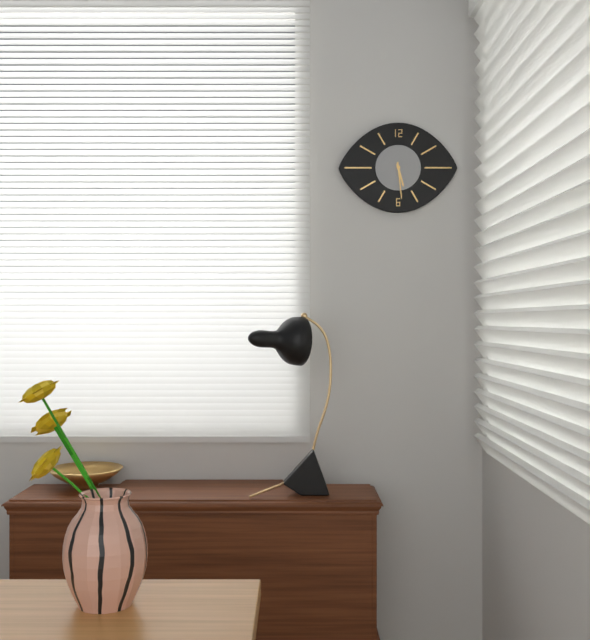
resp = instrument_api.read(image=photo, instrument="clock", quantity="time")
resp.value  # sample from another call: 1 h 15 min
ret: 5 h 29 min
